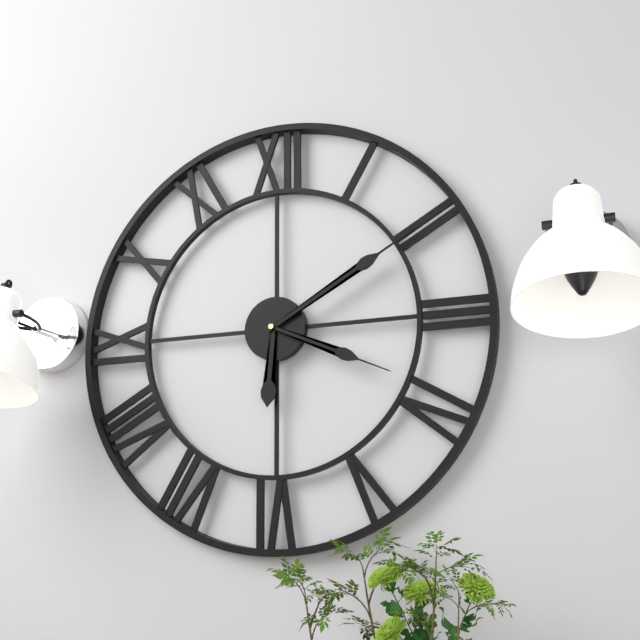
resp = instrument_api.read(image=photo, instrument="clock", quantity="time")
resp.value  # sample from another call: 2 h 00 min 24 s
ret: 6 h 10 min 19 s
